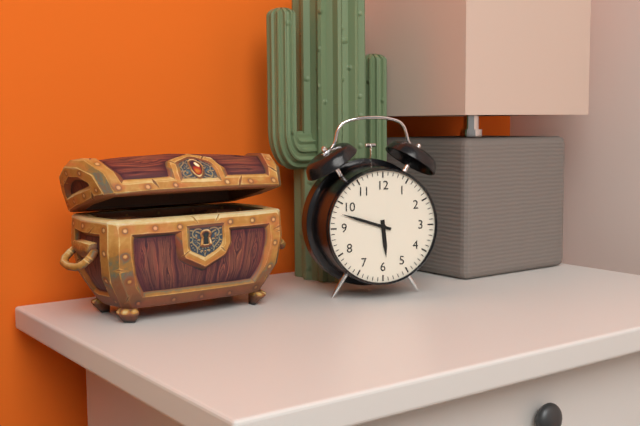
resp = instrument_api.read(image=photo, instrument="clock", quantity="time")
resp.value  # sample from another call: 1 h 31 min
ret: 5 h 48 min
